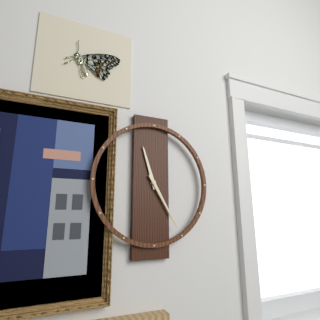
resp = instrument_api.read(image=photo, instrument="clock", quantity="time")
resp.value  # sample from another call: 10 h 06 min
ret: 11 h 25 min
